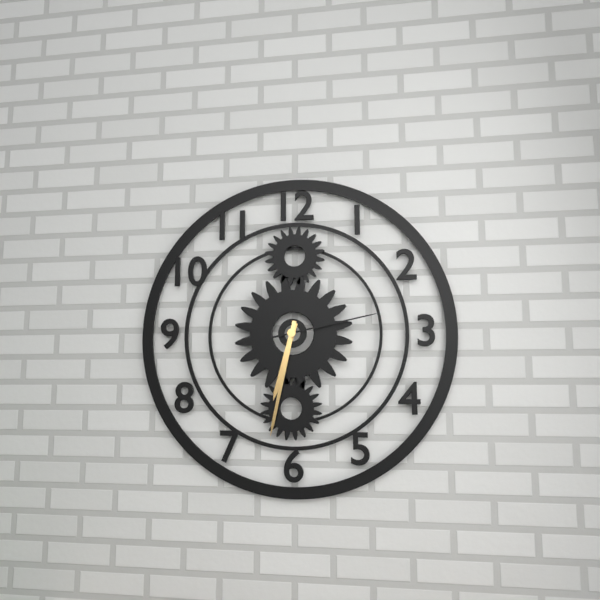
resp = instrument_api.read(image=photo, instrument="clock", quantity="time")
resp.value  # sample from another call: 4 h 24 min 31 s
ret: 6 h 32 min 13 s
